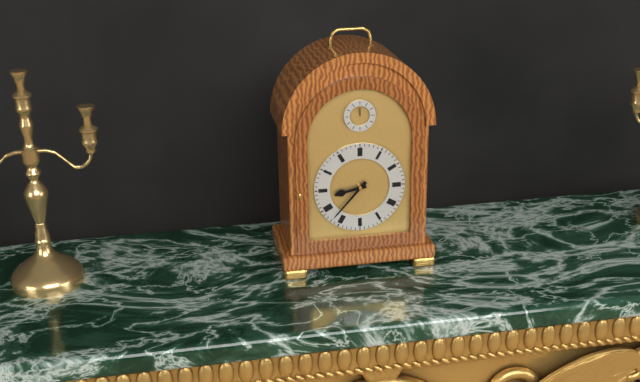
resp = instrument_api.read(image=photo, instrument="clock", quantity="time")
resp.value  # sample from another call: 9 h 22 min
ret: 8 h 37 min
